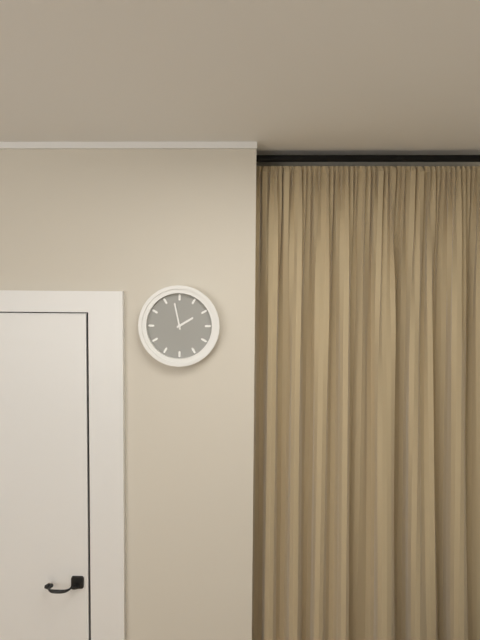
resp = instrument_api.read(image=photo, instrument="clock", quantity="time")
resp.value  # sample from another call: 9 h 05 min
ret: 1 h 58 min
